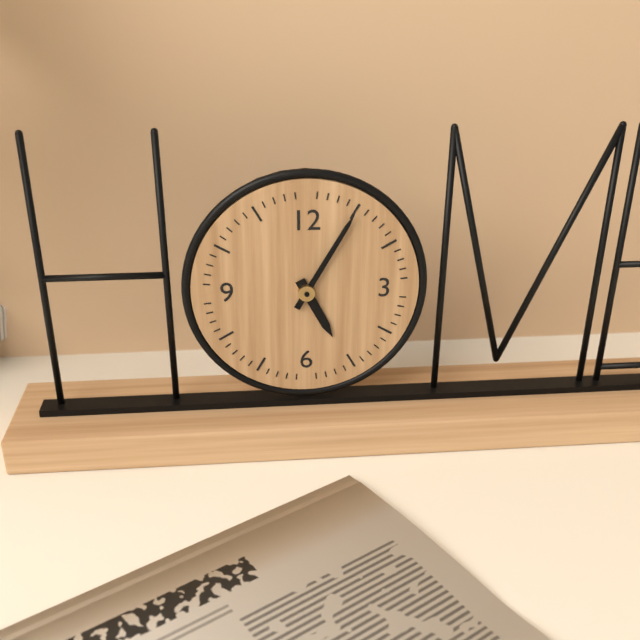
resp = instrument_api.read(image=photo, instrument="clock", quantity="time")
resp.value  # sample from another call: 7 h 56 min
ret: 5 h 05 min
